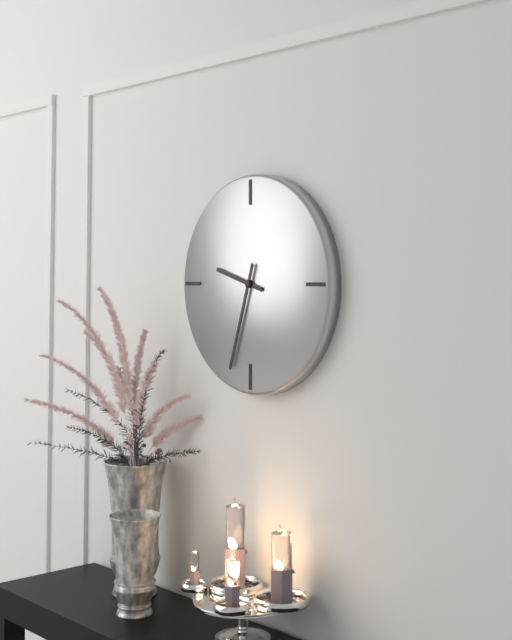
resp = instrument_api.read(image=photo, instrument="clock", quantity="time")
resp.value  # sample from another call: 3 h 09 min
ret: 9 h 33 min
